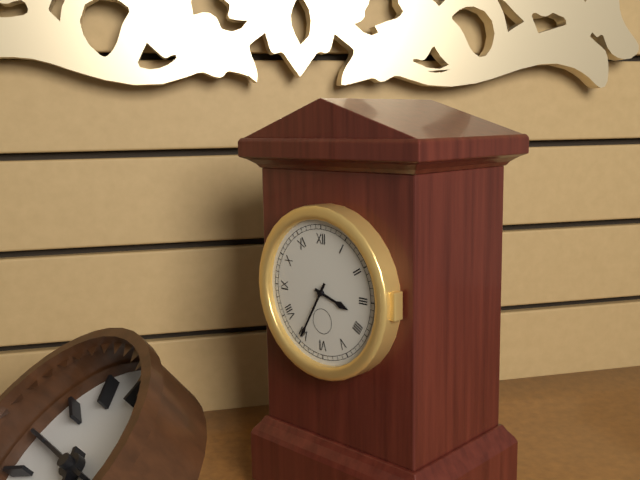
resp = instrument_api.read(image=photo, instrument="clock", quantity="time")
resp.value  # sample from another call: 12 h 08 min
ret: 3 h 35 min
